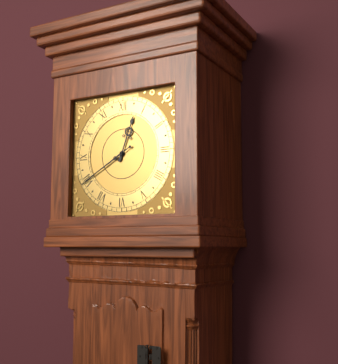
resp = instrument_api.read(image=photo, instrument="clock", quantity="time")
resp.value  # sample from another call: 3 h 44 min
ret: 12 h 40 min
